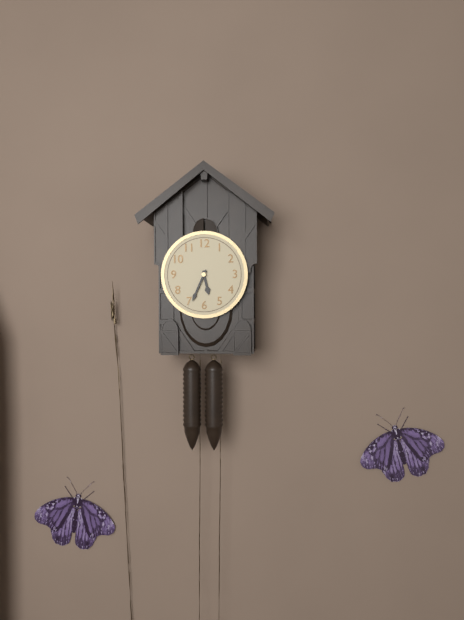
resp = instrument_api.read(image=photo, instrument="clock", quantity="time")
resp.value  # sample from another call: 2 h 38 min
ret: 5 h 34 min
